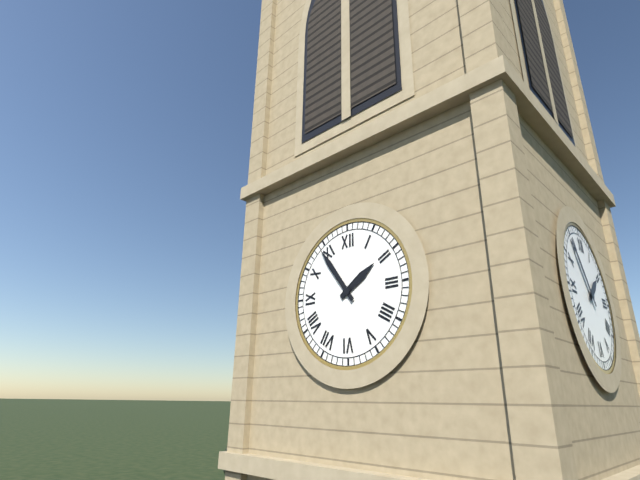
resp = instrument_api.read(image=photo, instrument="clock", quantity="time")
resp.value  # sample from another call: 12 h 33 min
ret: 1 h 54 min
